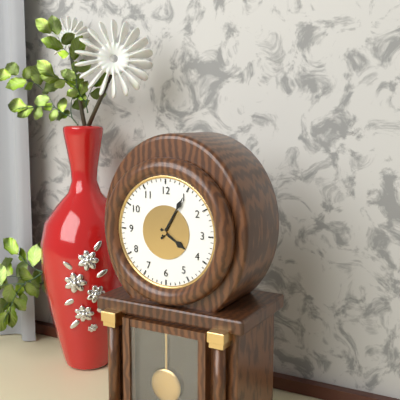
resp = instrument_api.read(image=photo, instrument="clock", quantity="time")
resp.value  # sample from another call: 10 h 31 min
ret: 4 h 05 min
